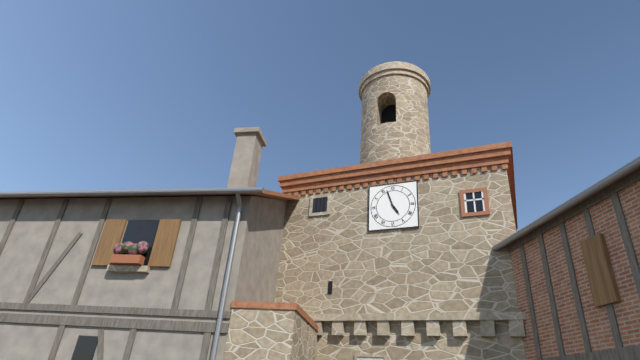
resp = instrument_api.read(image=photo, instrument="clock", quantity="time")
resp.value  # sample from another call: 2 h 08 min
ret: 4 h 57 min
